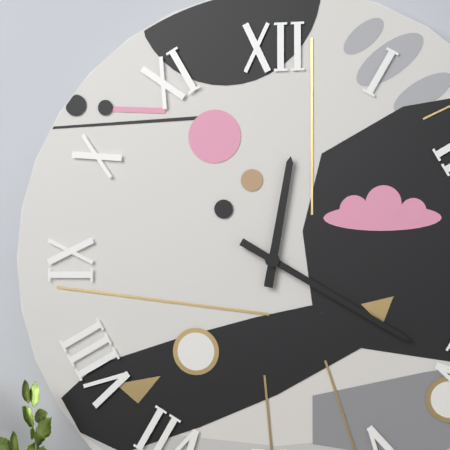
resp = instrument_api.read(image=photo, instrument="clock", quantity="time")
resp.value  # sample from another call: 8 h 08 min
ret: 12 h 20 min
